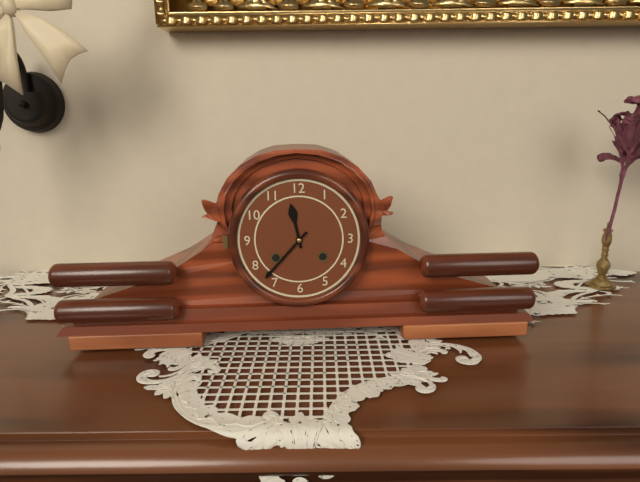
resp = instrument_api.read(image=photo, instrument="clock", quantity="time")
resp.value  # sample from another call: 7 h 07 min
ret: 11 h 37 min
